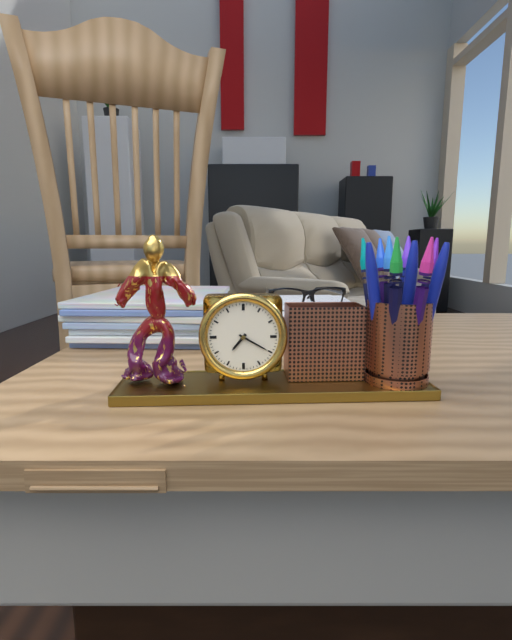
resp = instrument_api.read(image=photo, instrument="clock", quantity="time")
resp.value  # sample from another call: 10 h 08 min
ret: 7 h 20 min
